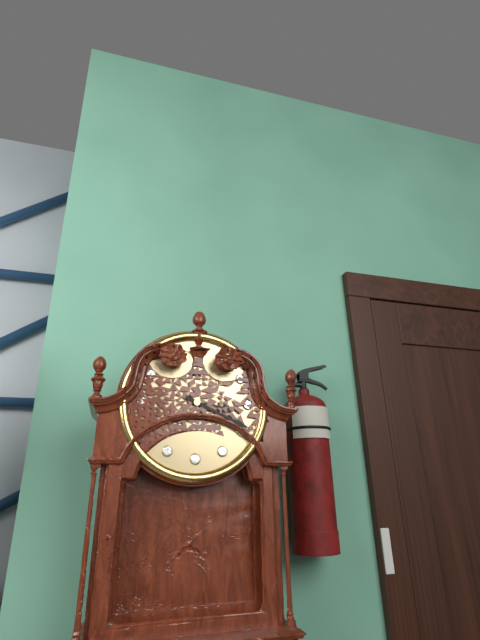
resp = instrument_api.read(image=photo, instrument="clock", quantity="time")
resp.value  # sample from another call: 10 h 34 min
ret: 3 h 19 min
